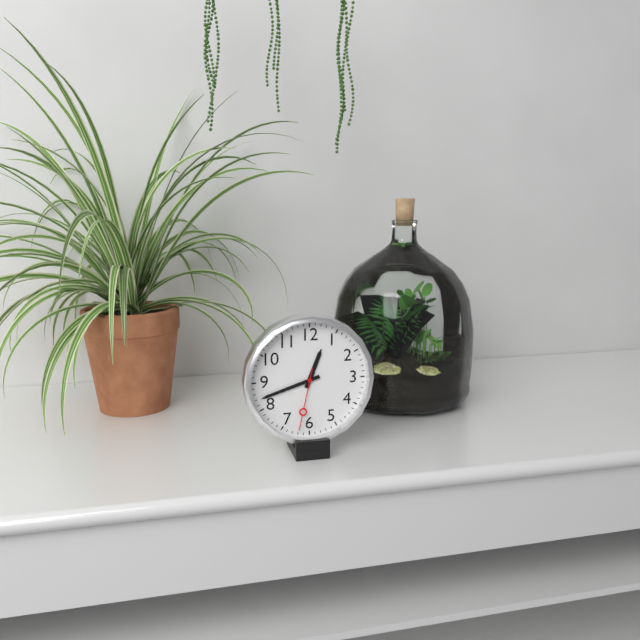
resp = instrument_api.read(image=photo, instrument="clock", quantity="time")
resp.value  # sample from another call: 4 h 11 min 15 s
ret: 12 h 42 min 32 s
